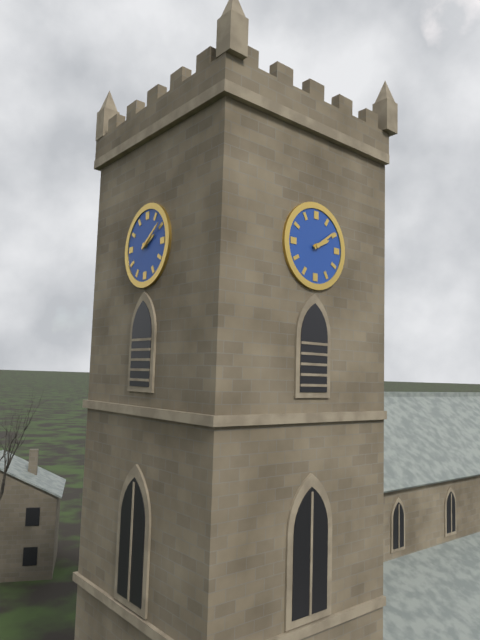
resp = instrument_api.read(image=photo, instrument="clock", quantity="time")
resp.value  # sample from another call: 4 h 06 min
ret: 2 h 09 min
